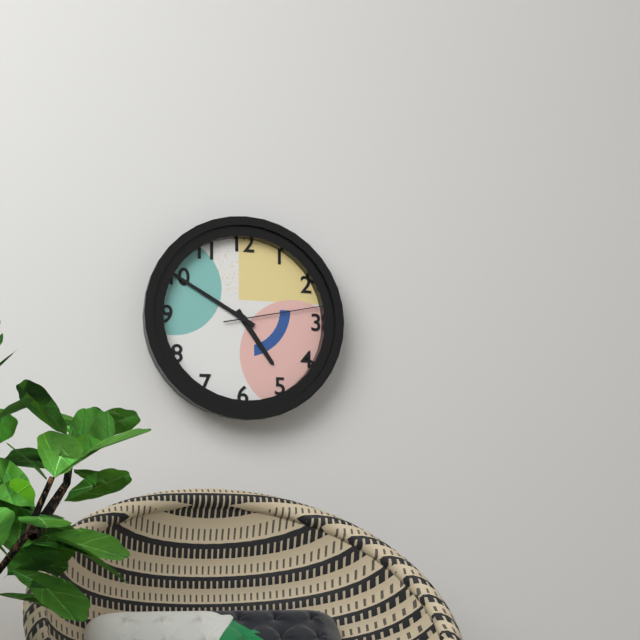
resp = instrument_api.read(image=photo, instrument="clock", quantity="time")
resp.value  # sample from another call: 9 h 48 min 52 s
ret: 4 h 50 min 13 s
